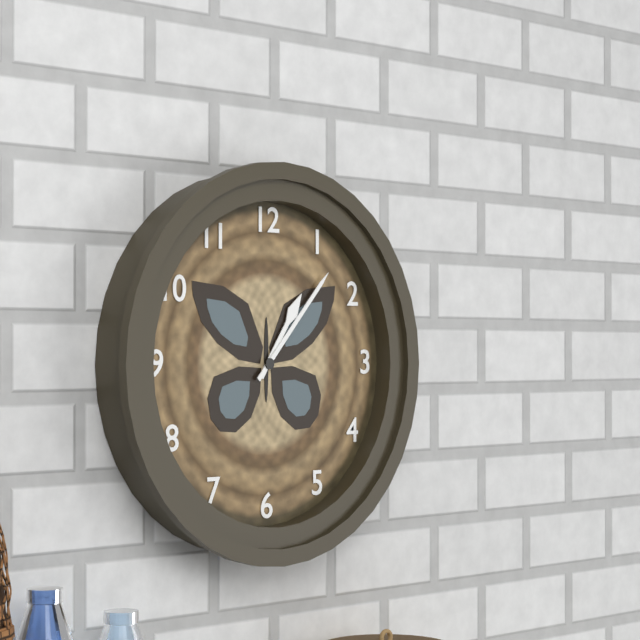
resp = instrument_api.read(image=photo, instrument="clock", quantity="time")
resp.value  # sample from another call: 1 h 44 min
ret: 1 h 07 min
